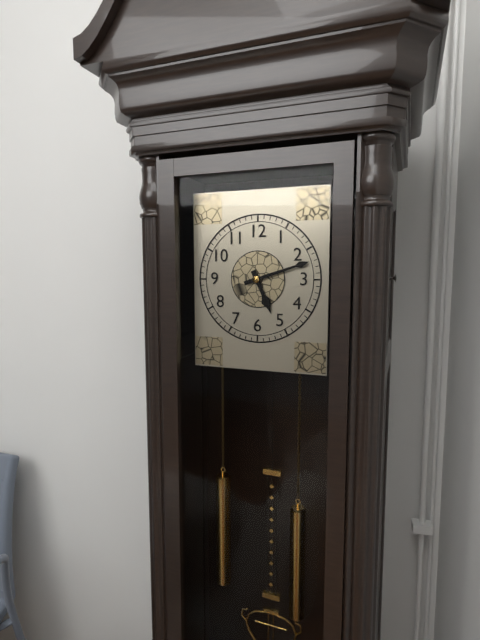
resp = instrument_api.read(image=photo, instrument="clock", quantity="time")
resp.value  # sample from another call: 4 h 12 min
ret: 5 h 12 min
